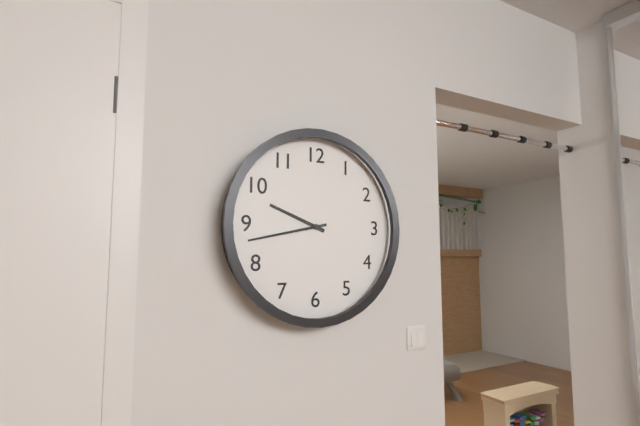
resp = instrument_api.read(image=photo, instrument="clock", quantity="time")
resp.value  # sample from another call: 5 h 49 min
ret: 9 h 43 min
